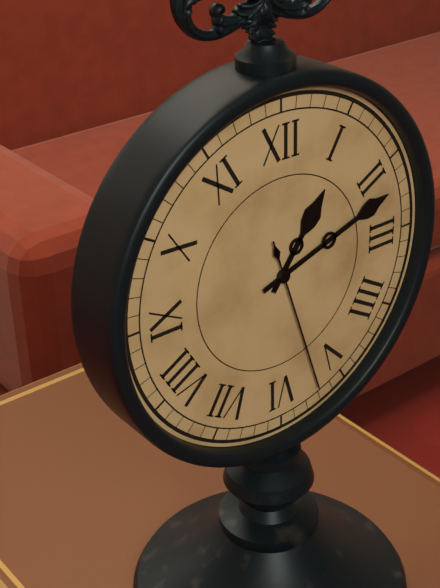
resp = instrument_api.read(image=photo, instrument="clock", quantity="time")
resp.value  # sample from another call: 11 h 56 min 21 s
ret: 1 h 12 min 27 s
